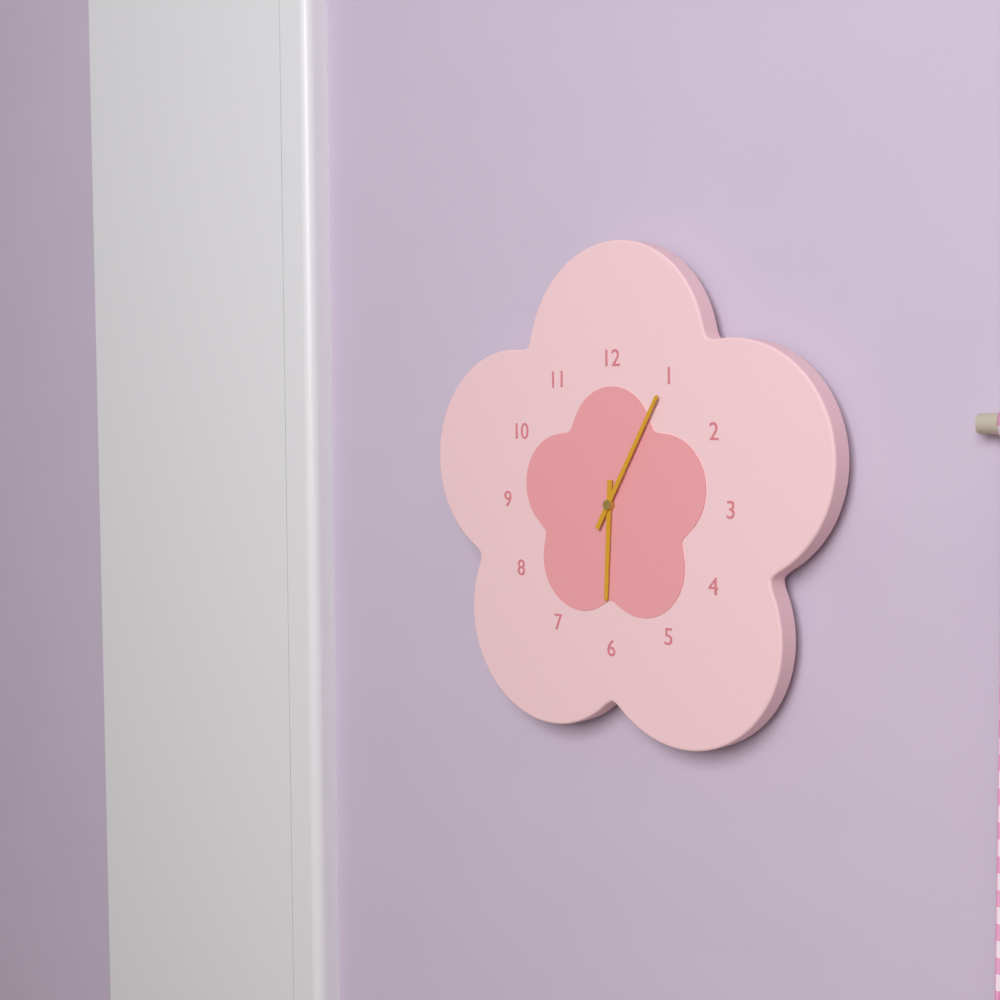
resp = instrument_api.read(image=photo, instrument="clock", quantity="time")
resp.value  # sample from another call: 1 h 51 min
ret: 6 h 05 min
